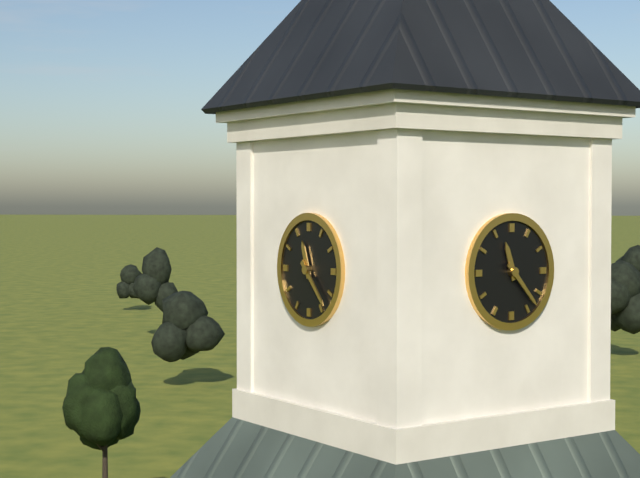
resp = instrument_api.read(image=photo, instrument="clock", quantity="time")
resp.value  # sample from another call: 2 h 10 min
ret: 11 h 23 min
